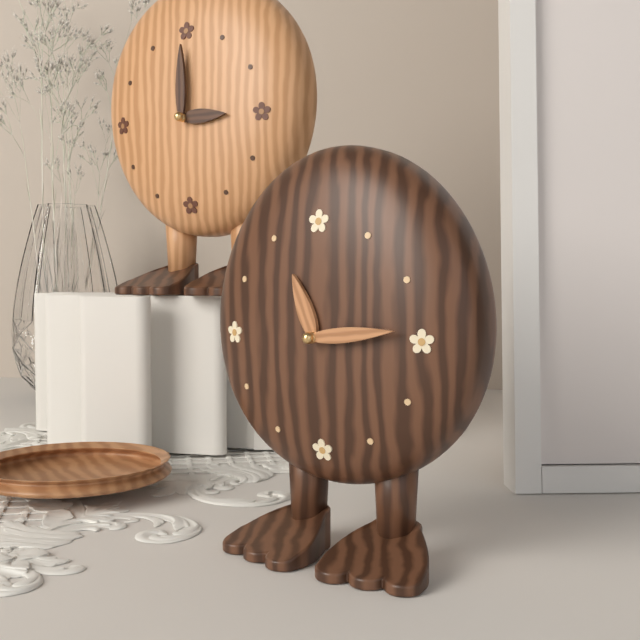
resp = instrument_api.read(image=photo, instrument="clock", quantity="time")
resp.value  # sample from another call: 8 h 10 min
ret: 11 h 14 min
